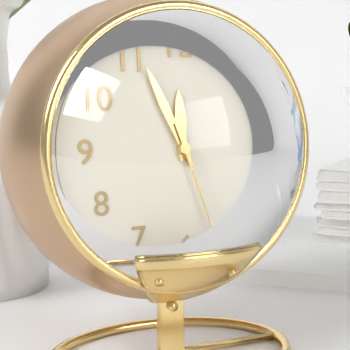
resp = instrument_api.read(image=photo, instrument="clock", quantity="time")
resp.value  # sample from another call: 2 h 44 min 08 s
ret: 11 h 56 min 27 s
